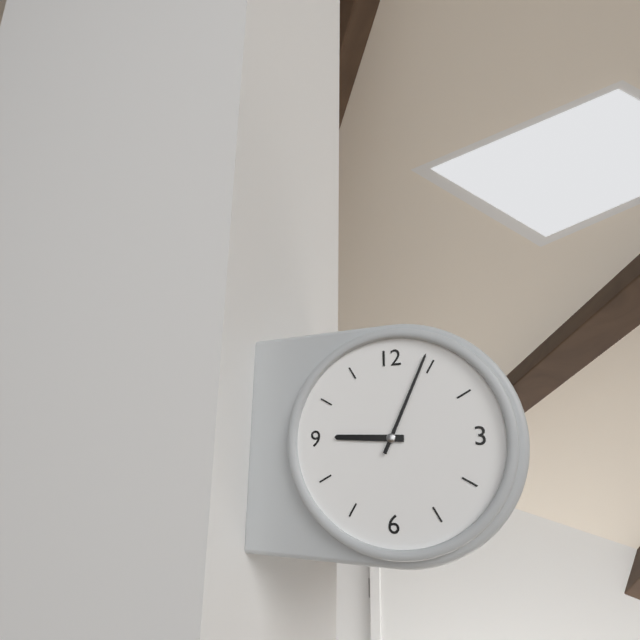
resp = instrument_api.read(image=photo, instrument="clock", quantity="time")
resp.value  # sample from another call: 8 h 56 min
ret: 9 h 04 min
